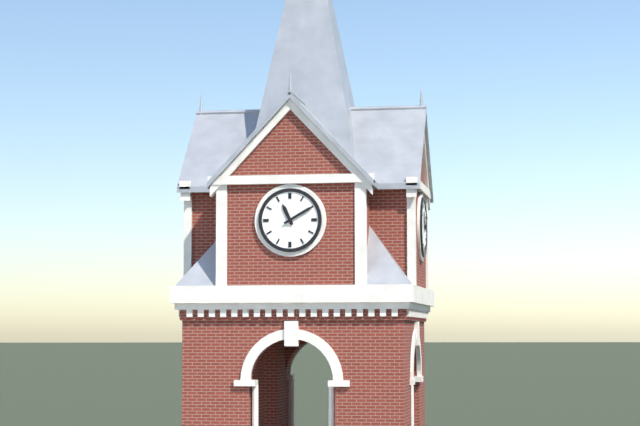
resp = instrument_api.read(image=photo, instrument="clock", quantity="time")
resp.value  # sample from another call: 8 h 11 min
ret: 11 h 10 min
